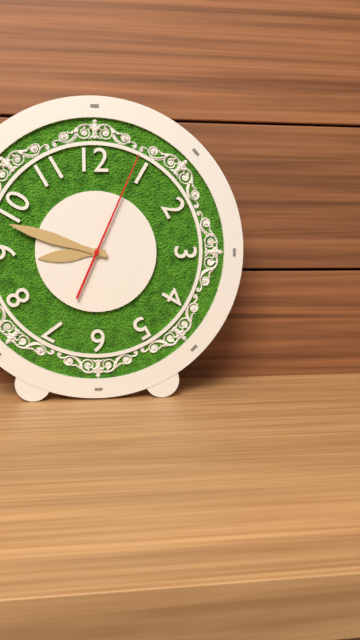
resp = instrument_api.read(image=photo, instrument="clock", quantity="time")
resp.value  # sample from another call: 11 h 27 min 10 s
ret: 8 h 48 min 04 s
